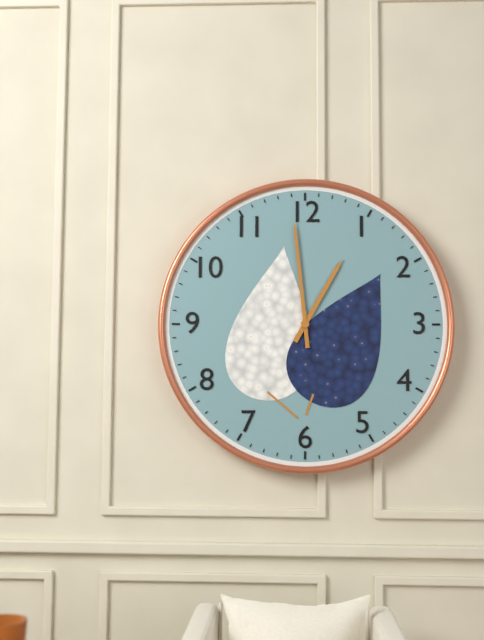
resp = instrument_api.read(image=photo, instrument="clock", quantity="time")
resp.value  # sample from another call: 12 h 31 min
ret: 12 h 59 min
